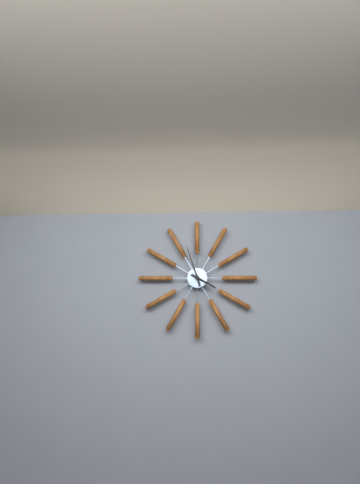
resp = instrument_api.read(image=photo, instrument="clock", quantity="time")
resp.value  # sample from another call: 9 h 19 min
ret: 3 h 57 min
